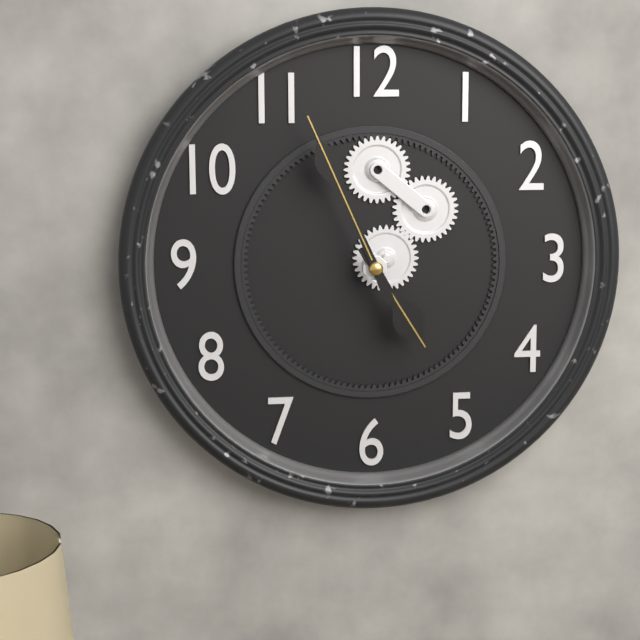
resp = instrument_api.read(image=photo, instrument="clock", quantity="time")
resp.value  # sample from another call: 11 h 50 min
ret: 4 h 56 min
